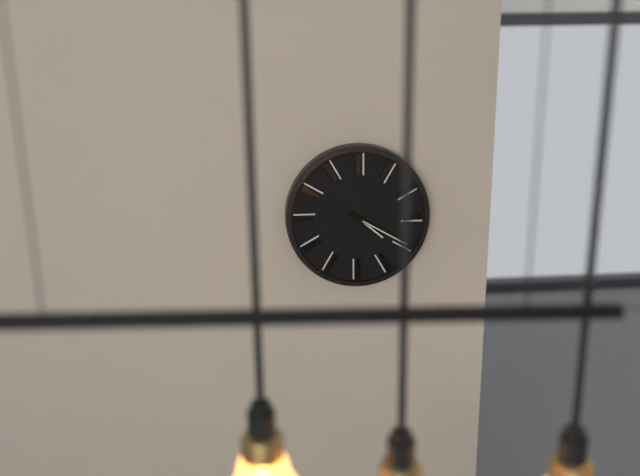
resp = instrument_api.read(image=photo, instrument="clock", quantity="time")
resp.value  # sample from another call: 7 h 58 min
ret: 4 h 20 min
